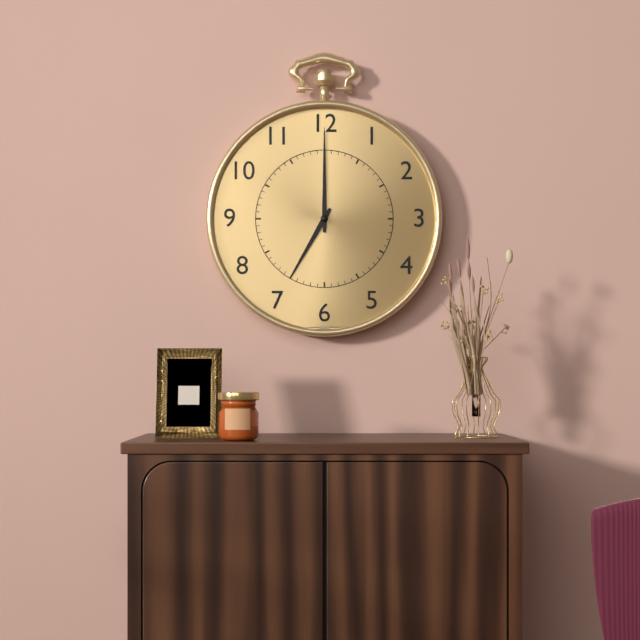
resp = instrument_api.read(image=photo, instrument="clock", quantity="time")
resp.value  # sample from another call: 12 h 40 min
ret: 7 h 00 min
